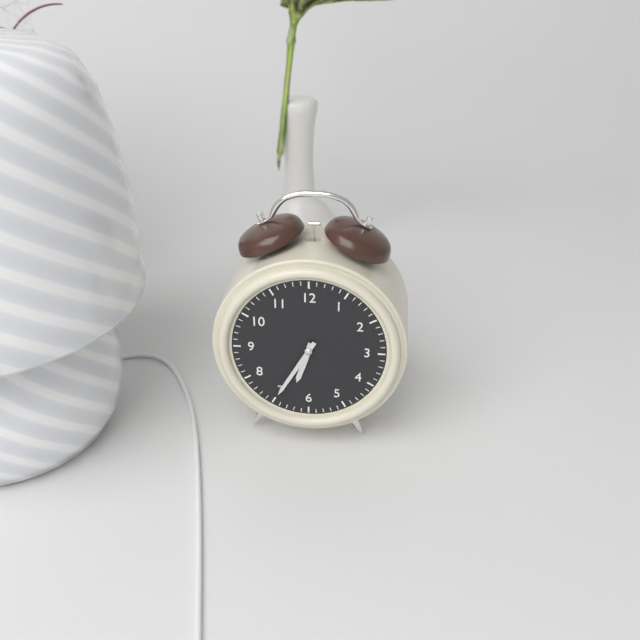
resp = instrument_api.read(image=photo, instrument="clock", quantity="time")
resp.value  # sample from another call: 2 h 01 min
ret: 6 h 35 min
